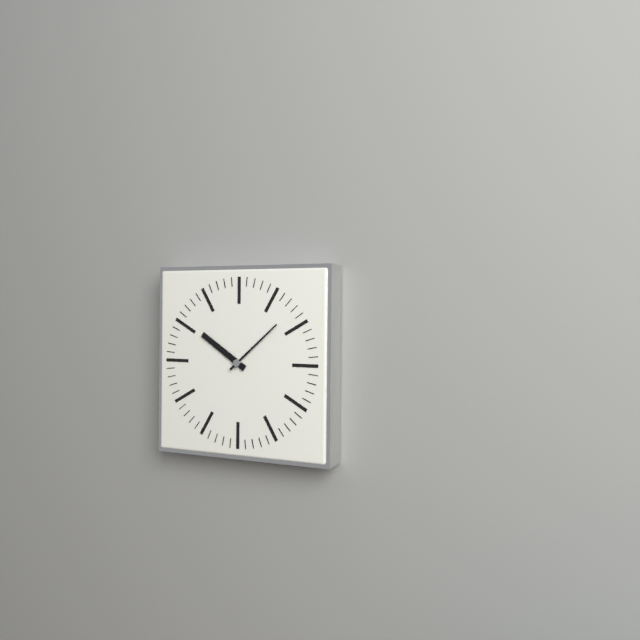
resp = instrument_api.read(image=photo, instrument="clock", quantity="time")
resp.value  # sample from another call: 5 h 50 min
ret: 10 h 08 min
